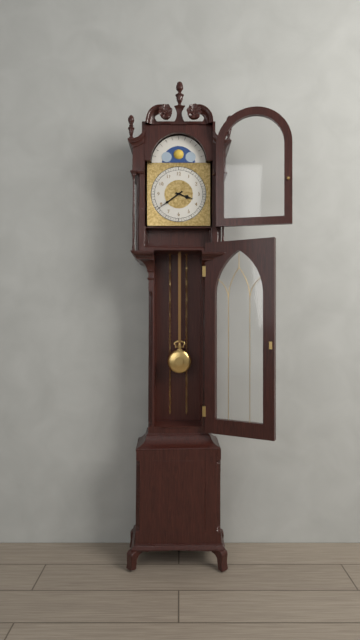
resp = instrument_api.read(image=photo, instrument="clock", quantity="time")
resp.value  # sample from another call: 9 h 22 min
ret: 3 h 39 min
